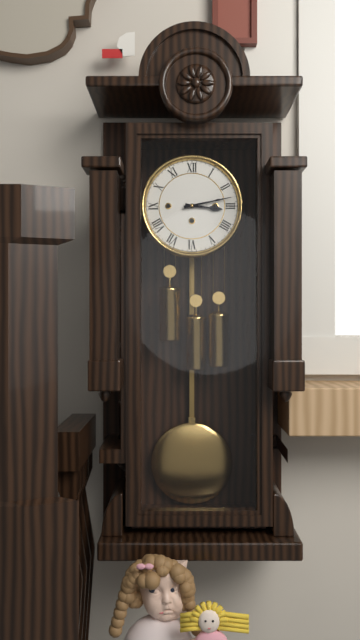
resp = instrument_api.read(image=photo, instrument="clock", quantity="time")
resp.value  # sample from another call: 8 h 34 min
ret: 3 h 13 min
